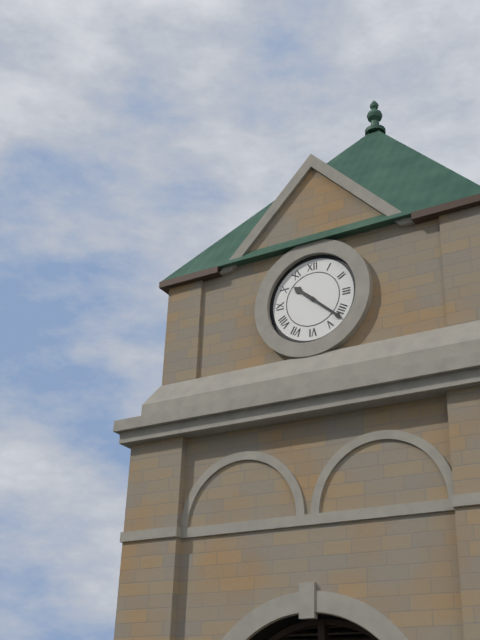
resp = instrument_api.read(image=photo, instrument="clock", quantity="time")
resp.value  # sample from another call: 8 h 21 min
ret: 10 h 22 min
